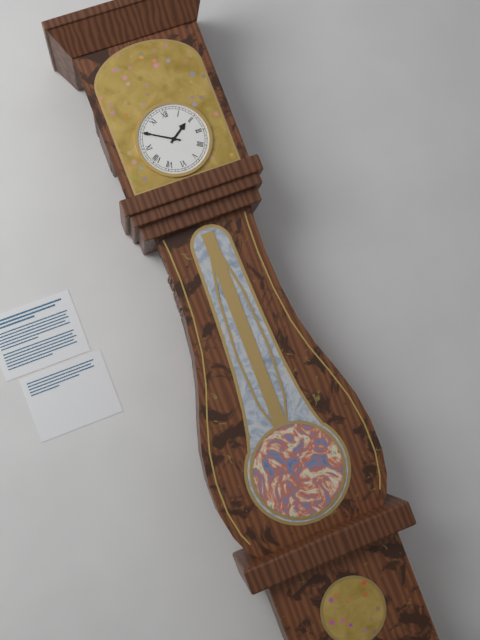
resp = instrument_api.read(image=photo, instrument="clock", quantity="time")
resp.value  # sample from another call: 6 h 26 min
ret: 1 h 50 min
